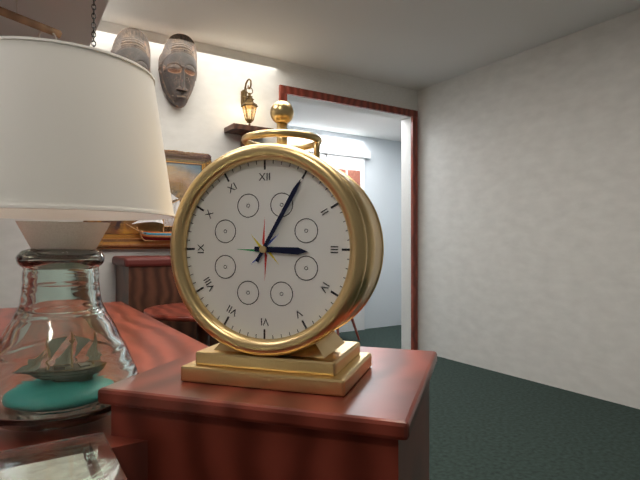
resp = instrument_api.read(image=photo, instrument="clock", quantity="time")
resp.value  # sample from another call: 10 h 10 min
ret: 3 h 05 min
